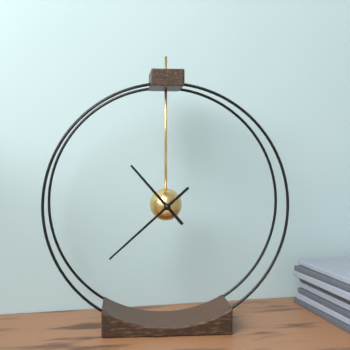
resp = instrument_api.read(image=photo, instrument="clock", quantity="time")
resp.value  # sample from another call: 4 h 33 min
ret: 10 h 38 min
